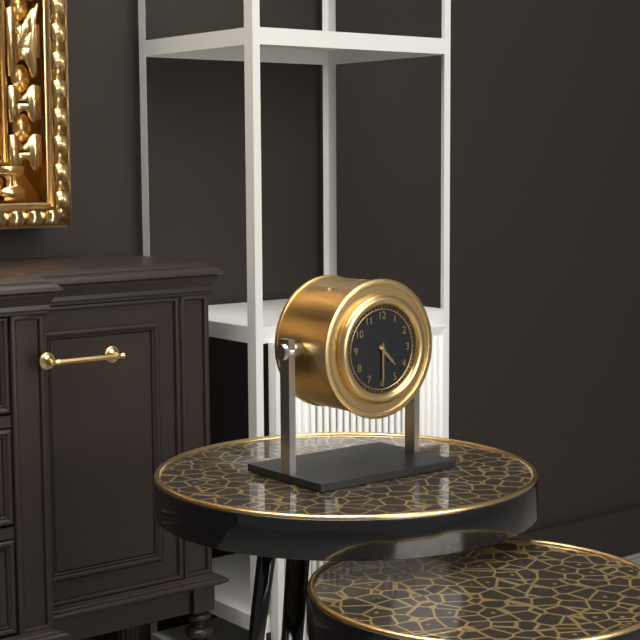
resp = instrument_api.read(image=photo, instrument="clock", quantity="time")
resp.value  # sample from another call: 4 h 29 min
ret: 4 h 30 min
